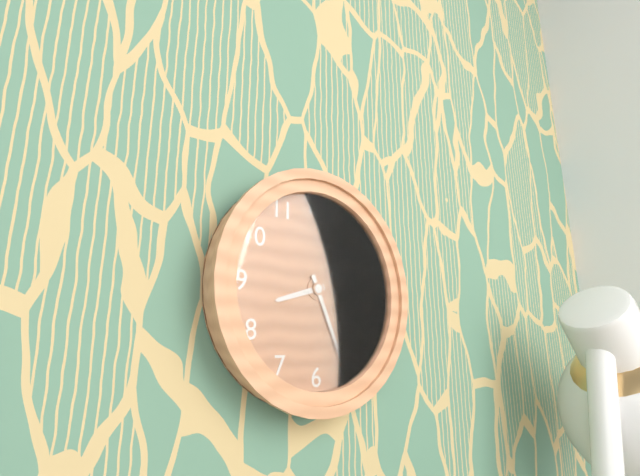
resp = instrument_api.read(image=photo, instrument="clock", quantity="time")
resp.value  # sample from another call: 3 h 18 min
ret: 8 h 26 min
